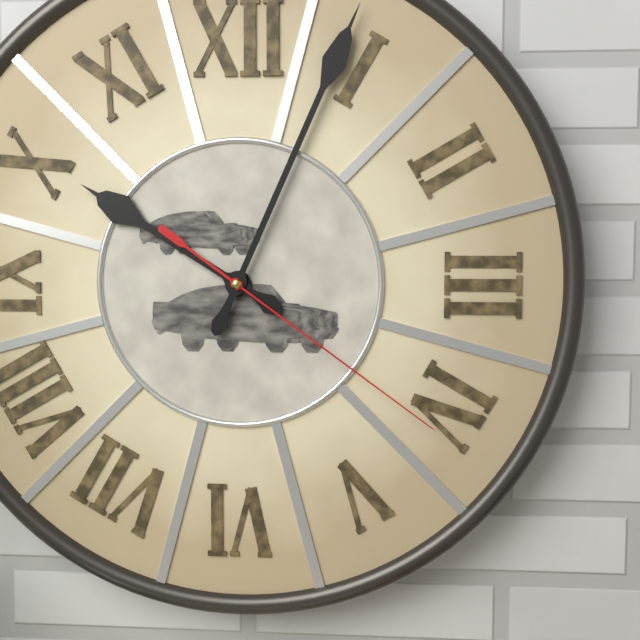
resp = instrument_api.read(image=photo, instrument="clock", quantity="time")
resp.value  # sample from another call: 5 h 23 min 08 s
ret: 10 h 04 min 21 s
